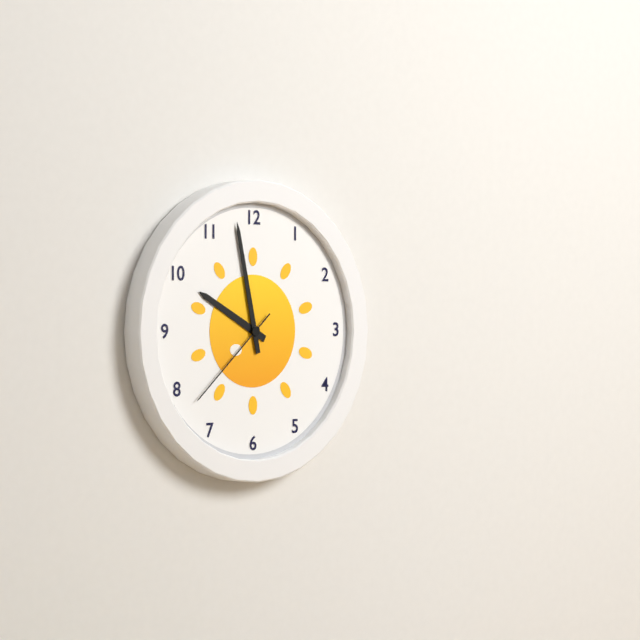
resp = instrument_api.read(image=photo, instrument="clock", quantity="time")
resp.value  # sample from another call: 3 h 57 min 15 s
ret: 9 h 58 min 38 s
